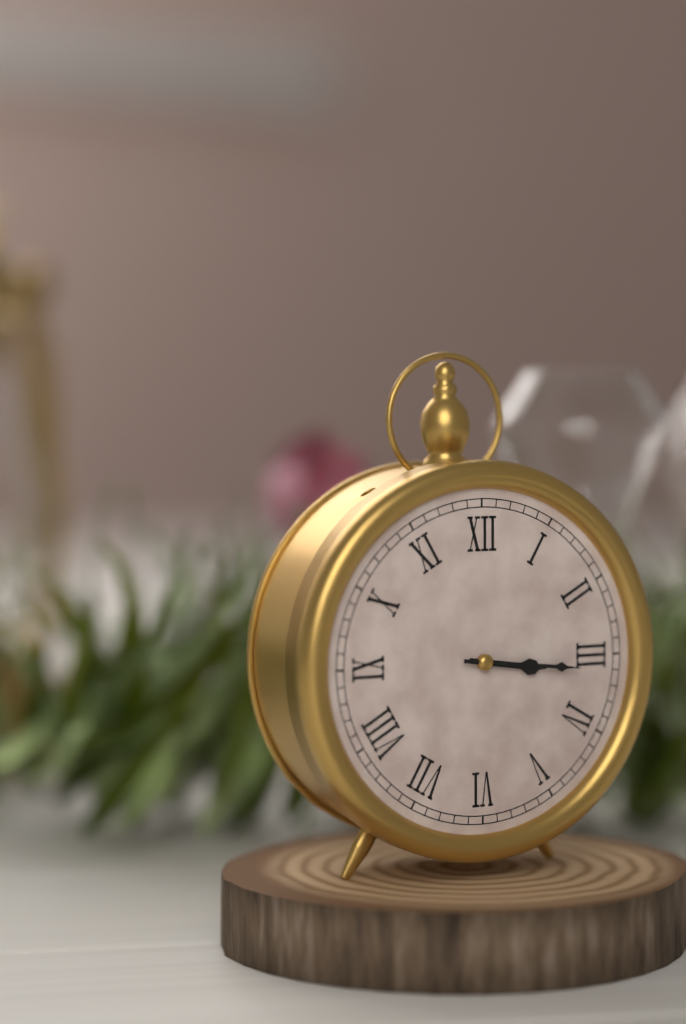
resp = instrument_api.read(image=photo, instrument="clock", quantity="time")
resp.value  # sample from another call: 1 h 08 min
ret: 3 h 16 min
